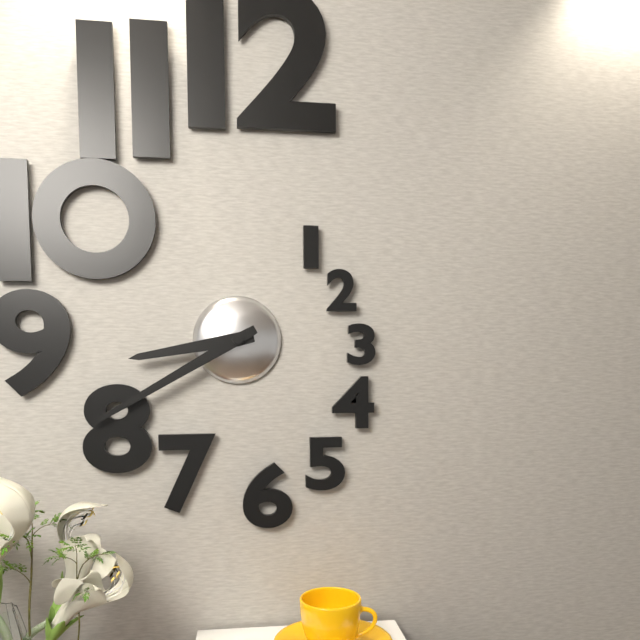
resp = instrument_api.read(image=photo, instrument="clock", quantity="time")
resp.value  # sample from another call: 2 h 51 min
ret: 8 h 40 min
